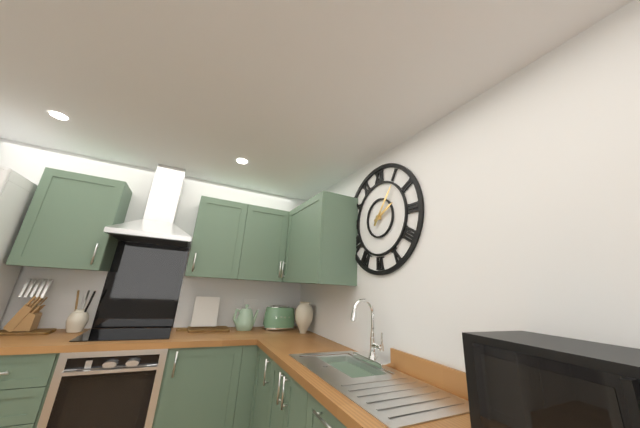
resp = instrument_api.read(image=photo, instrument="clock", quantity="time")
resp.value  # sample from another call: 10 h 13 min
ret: 2 h 06 min
